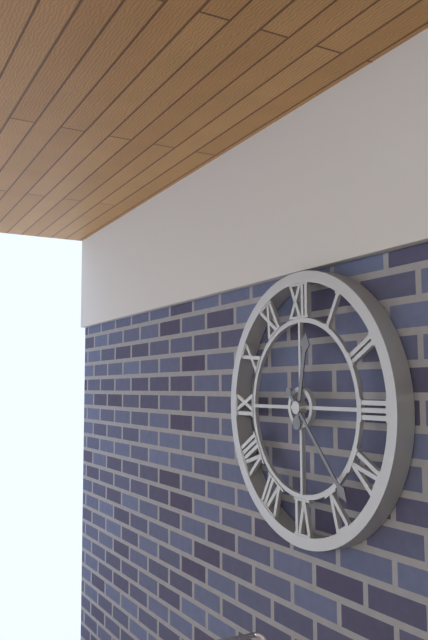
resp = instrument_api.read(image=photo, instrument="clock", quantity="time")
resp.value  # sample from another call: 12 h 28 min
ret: 12 h 23 min
